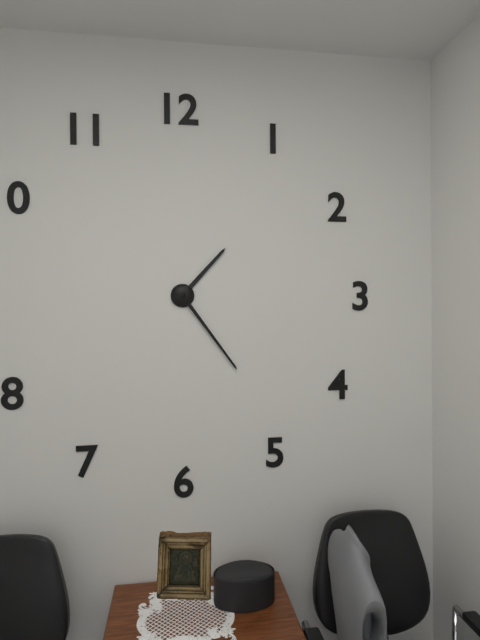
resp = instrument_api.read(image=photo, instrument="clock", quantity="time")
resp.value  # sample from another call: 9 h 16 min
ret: 1 h 24 min
